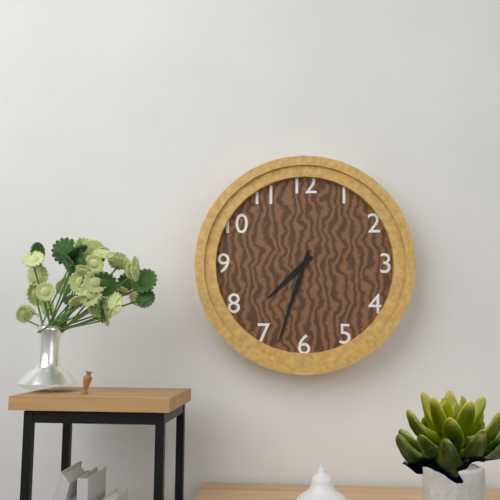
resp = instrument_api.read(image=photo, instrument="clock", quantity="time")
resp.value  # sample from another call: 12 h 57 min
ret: 7 h 33 min
